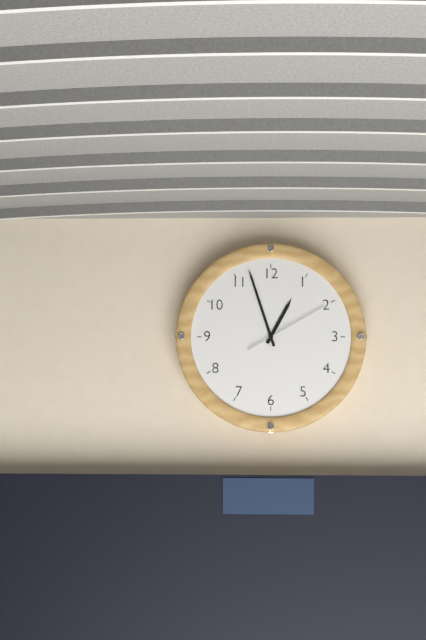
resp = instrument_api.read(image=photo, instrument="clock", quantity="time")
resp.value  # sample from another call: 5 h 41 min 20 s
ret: 12 h 57 min 10 s
